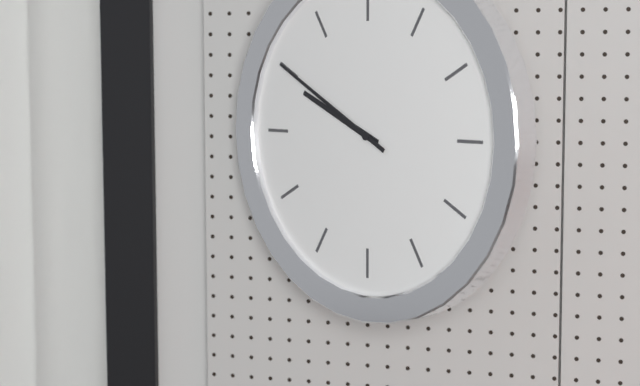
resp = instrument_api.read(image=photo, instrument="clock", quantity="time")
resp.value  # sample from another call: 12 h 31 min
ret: 9 h 50 min
